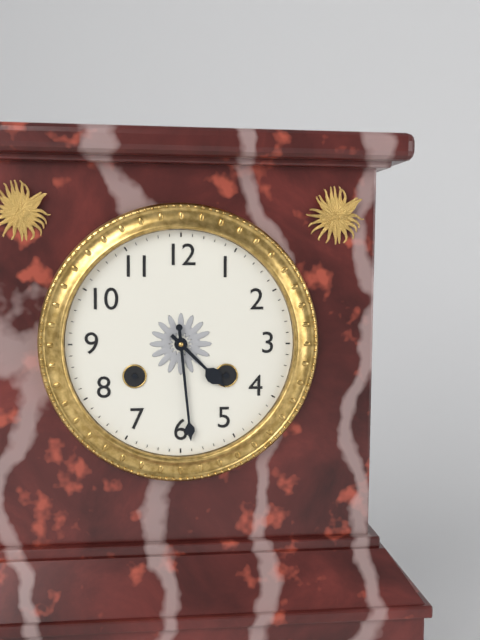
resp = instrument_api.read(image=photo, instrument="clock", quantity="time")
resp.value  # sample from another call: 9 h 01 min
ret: 4 h 29 min
